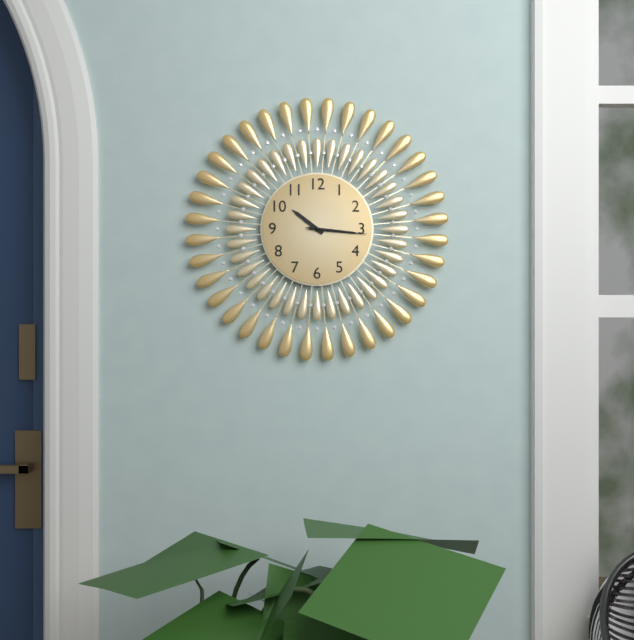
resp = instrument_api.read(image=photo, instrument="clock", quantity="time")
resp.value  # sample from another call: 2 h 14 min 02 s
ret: 10 h 16 min 16 s
